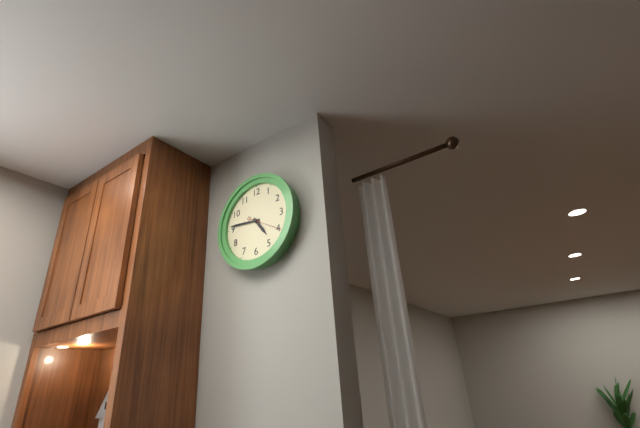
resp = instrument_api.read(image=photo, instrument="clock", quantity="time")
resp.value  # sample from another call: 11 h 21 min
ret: 4 h 46 min
